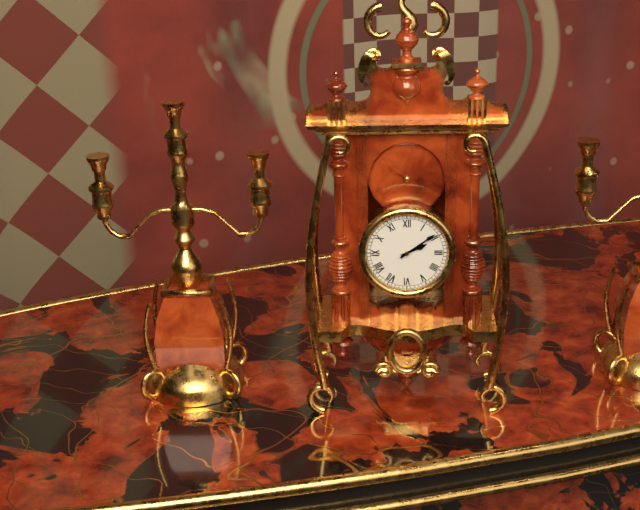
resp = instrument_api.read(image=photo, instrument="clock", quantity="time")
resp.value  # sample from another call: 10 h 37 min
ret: 2 h 09 min
